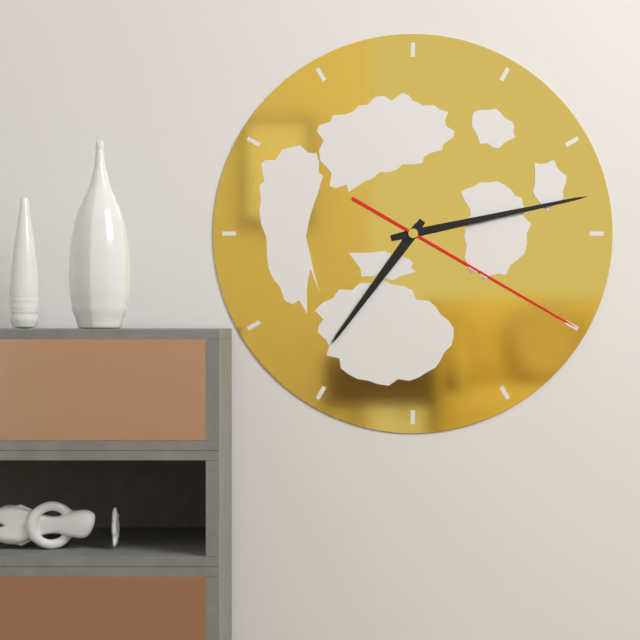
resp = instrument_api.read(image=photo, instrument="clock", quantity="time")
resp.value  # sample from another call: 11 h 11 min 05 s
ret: 7 h 13 min 20 s
